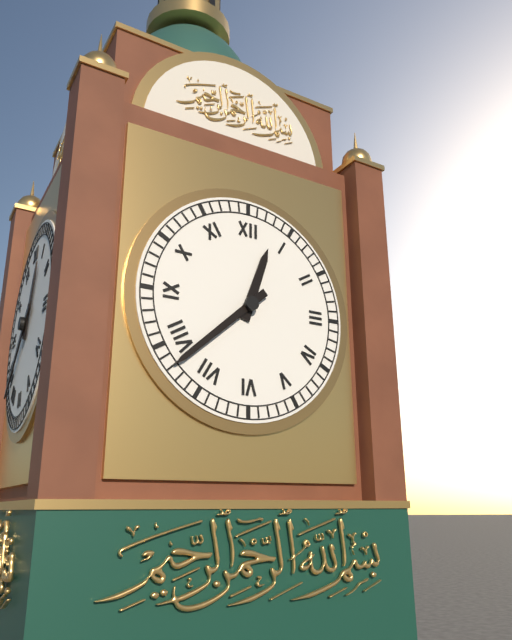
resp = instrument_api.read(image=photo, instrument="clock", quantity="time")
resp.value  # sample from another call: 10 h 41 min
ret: 12 h 38 min
